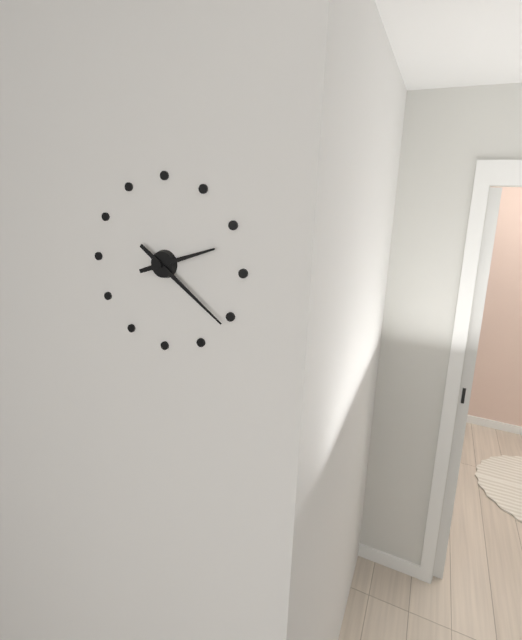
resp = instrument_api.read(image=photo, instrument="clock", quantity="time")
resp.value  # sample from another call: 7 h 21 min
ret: 2 h 21 min
